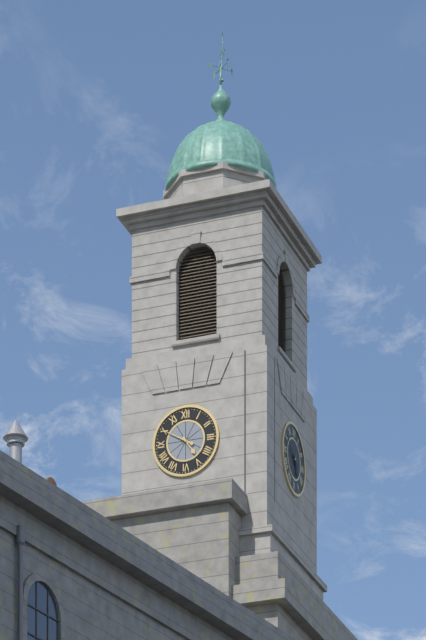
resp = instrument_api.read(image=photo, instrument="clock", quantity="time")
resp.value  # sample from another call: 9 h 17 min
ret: 4 h 50 min
